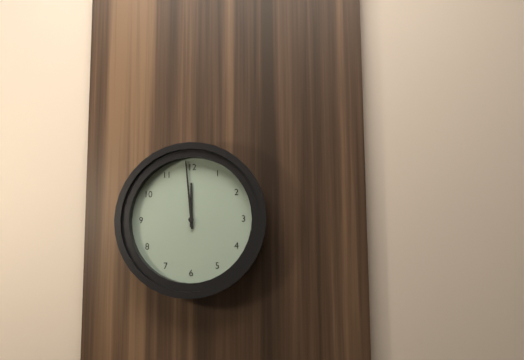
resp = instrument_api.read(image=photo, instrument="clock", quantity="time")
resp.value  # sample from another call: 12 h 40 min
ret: 11 h 59 min
